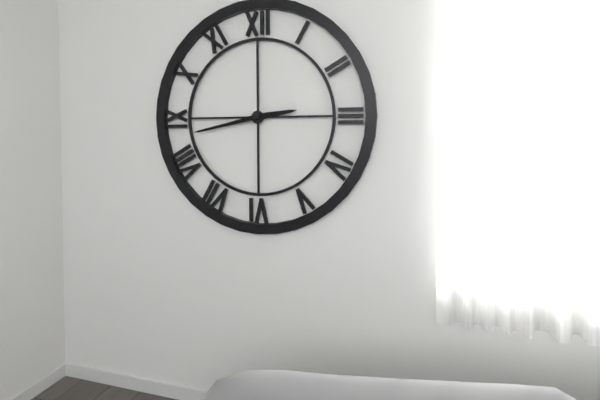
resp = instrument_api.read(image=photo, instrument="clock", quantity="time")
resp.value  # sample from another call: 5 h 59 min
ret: 2 h 43 min
